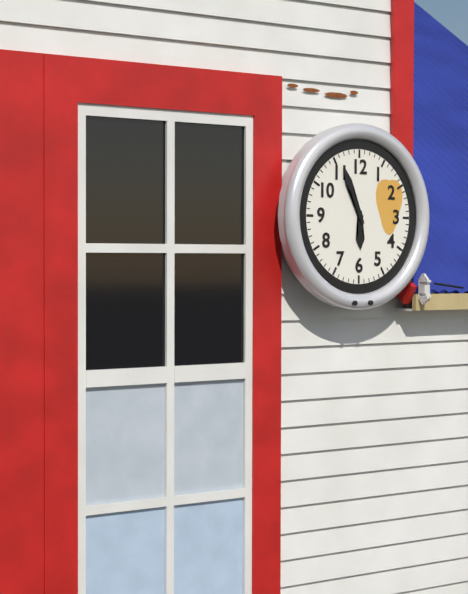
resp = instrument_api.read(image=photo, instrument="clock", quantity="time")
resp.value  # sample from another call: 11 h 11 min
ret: 5 h 56 min
